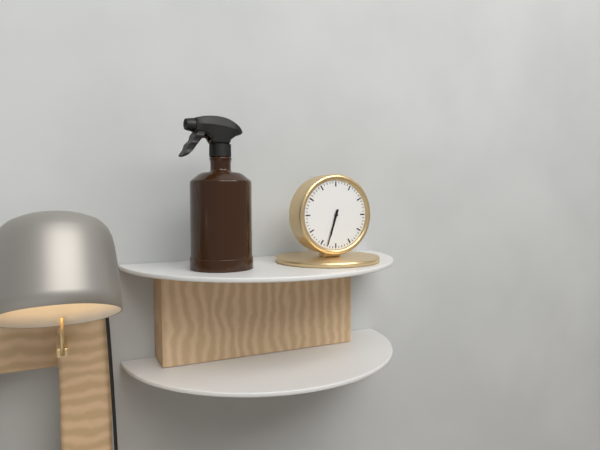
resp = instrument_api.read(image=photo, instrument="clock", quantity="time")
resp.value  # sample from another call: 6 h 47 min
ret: 6 h 33 min
